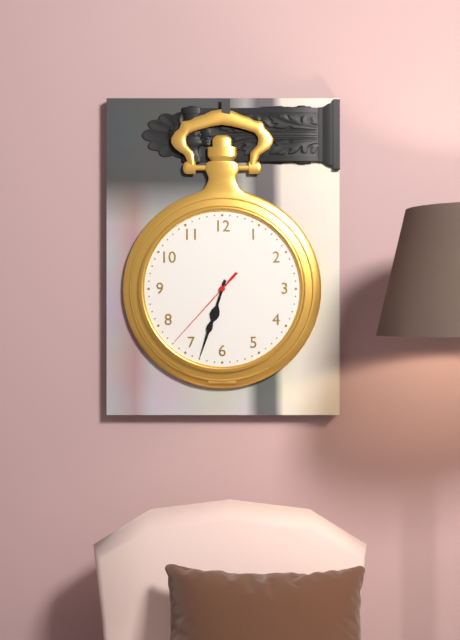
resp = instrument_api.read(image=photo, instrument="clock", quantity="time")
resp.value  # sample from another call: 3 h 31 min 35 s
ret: 6 h 33 min 37 s
